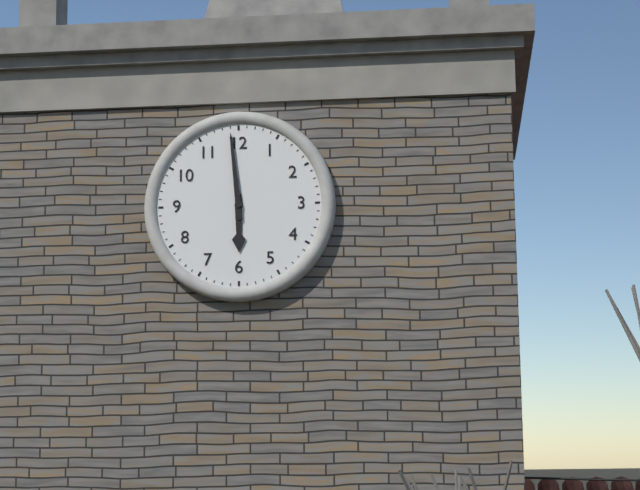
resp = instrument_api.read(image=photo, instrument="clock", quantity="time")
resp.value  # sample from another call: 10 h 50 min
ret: 5 h 59 min
